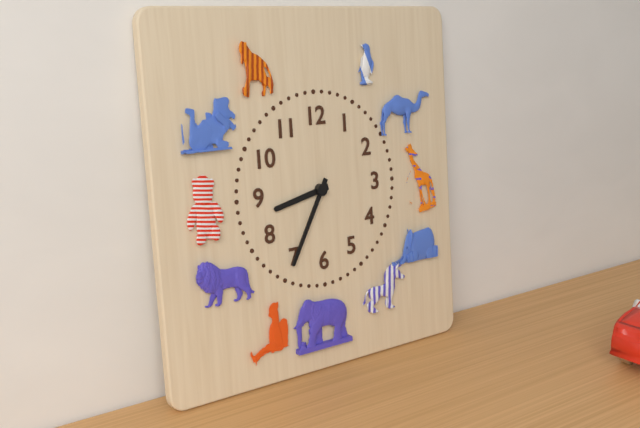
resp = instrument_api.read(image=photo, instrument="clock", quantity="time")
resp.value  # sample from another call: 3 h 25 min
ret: 8 h 35 min
